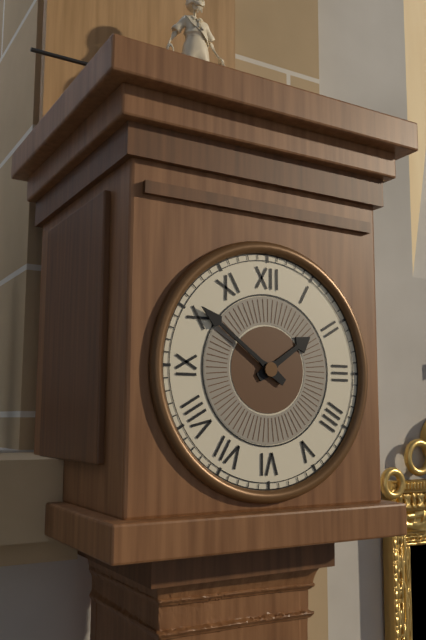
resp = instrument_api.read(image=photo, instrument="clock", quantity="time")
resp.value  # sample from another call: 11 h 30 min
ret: 1 h 51 min
